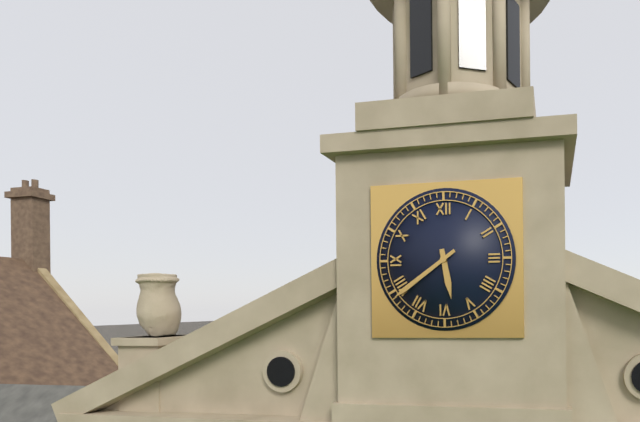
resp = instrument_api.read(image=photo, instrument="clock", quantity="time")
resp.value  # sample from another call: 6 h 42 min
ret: 5 h 39 min
